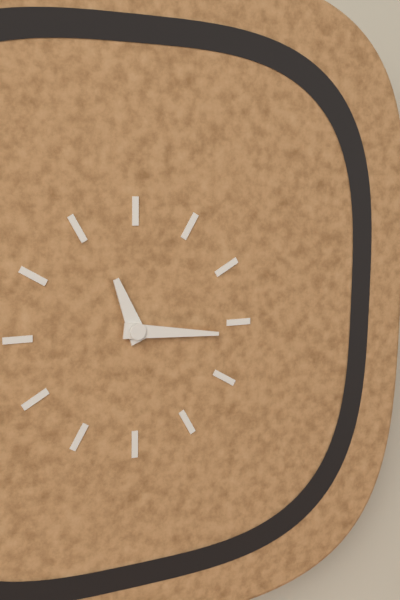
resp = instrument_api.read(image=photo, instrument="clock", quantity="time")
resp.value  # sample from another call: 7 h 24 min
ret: 11 h 16 min
